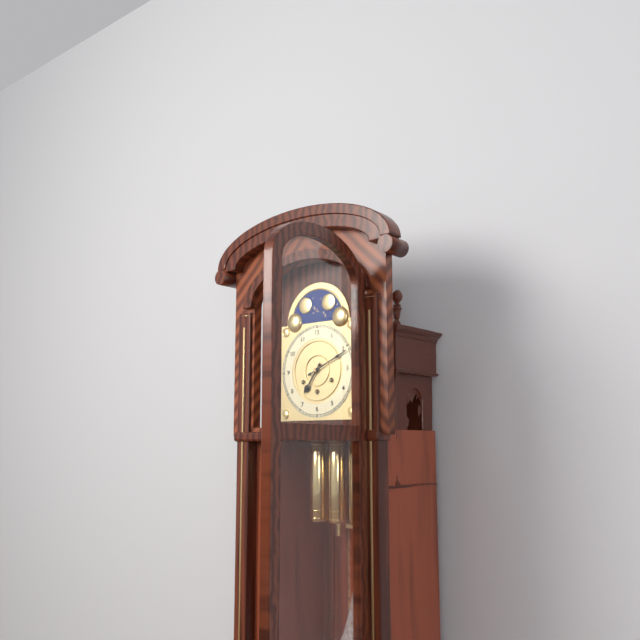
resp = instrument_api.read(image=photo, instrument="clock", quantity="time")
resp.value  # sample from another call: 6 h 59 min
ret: 7 h 11 min
